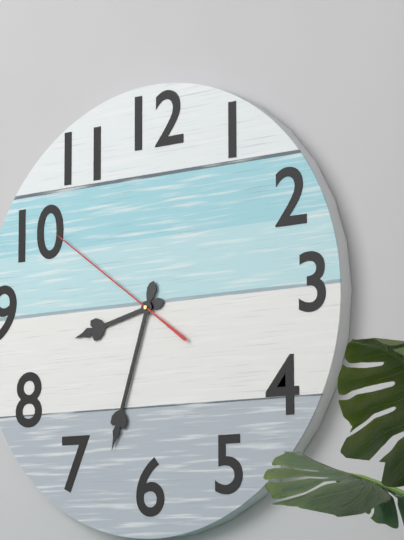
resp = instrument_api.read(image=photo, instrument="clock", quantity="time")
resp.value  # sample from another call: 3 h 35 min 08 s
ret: 8 h 33 min 51 s
